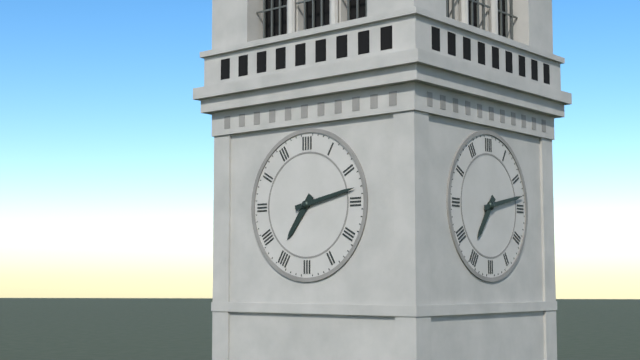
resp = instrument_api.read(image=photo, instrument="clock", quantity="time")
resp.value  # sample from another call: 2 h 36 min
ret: 7 h 13 min
